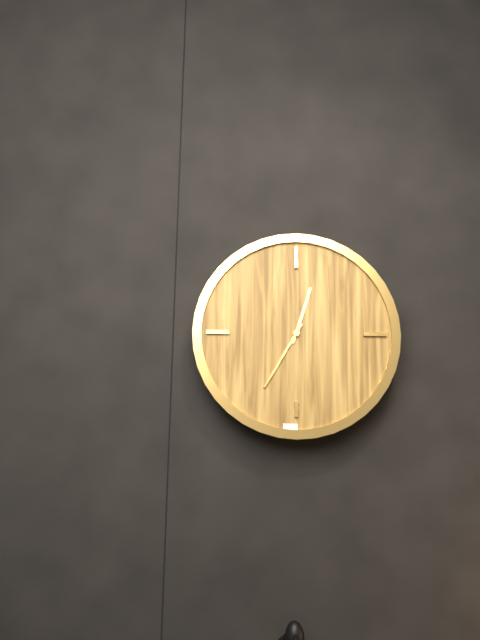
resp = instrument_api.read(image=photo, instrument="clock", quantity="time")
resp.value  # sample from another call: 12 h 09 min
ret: 12 h 35 min
